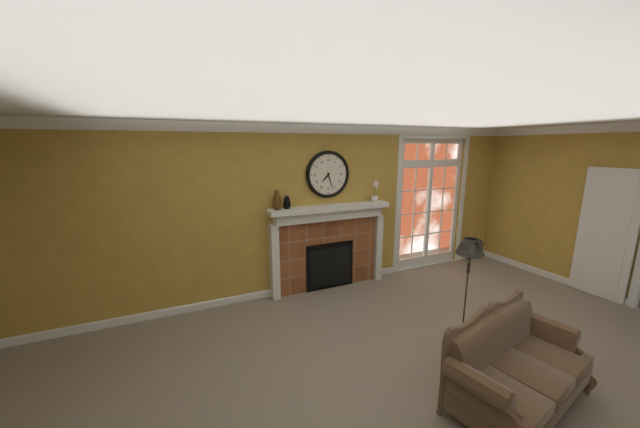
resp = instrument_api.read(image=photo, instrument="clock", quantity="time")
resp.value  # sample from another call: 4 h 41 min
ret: 7 h 27 min
